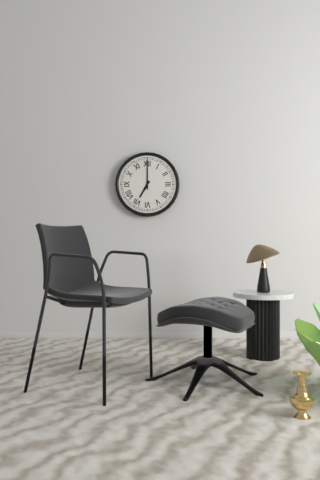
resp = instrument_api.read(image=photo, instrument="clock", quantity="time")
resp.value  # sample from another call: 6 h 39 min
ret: 7 h 00 min
